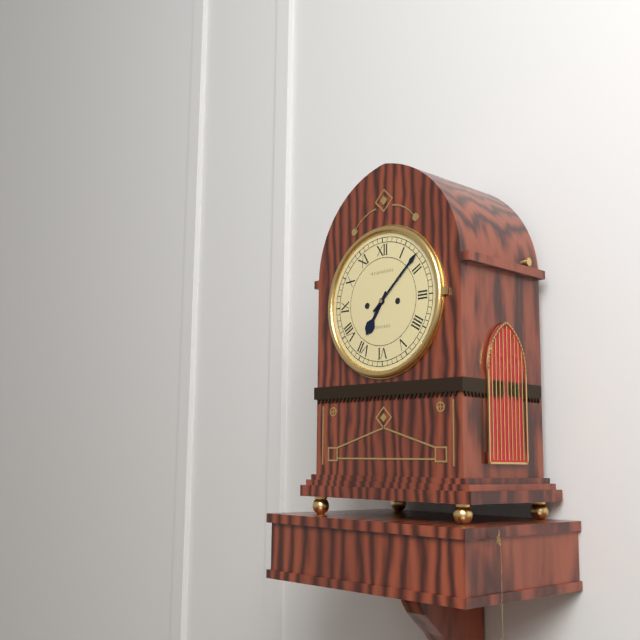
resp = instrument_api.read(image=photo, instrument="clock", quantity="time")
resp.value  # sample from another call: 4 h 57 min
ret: 7 h 08 min
